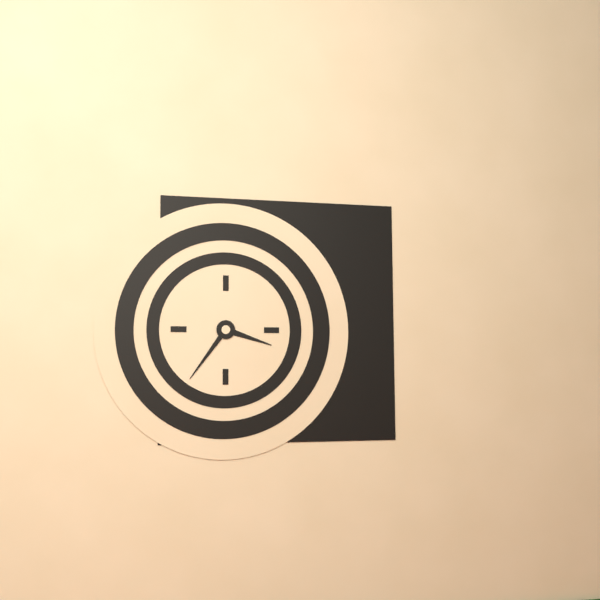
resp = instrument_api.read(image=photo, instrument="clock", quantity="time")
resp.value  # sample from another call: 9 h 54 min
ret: 3 h 36 min
